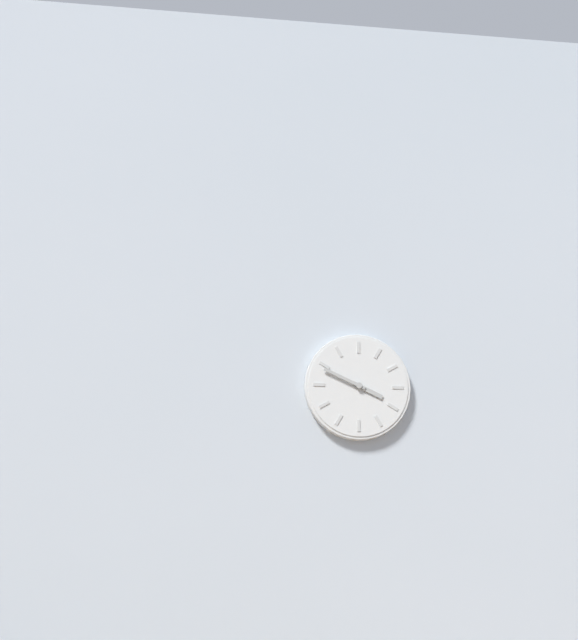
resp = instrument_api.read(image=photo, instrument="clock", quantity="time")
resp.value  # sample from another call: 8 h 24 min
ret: 3 h 49 min
